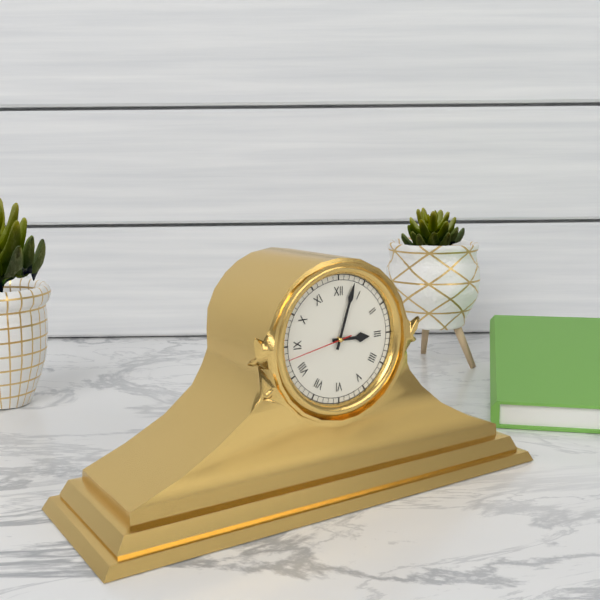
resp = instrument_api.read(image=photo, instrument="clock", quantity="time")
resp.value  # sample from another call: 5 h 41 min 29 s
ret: 3 h 03 min 43 s
